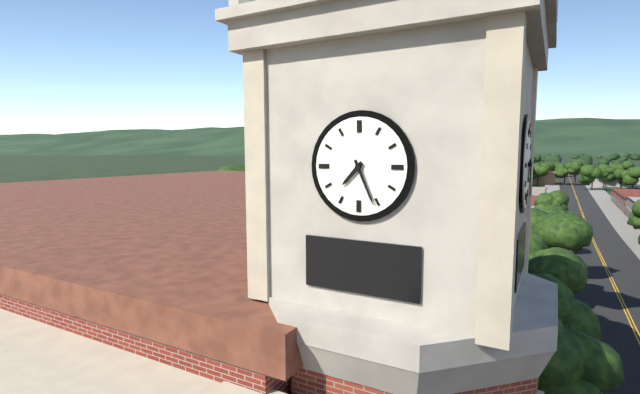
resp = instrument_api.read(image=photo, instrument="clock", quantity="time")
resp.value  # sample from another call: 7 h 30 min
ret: 7 h 26 min
